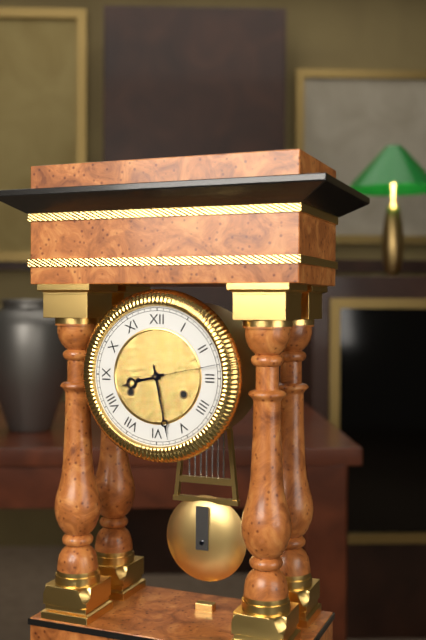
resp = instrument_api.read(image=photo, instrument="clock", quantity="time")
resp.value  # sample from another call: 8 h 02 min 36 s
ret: 8 h 28 min 13 s
